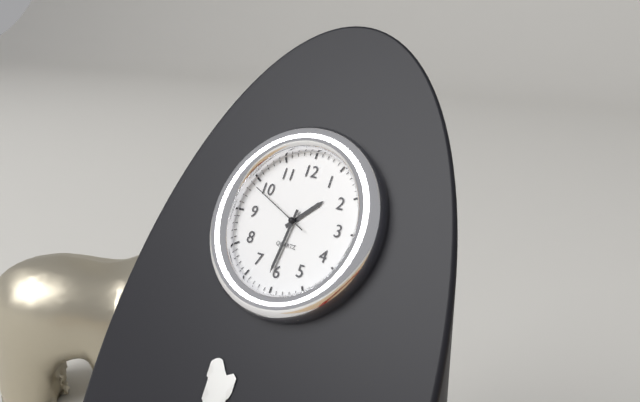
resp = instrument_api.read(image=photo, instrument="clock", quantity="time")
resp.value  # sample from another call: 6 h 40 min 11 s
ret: 1 h 31 min 49 s
